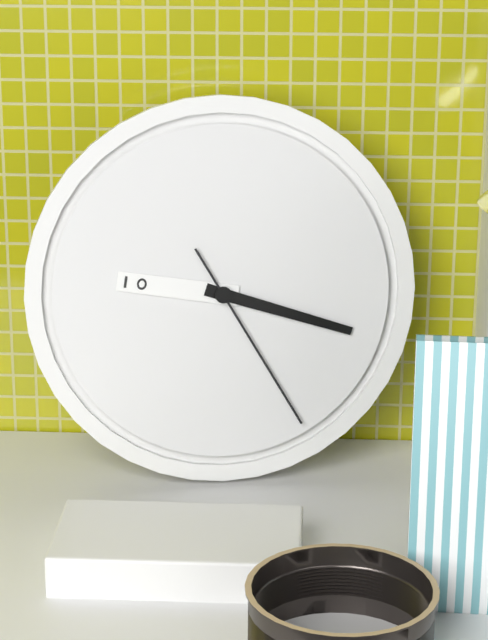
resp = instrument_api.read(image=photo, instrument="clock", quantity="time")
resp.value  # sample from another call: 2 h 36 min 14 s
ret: 9 h 18 min 25 s
